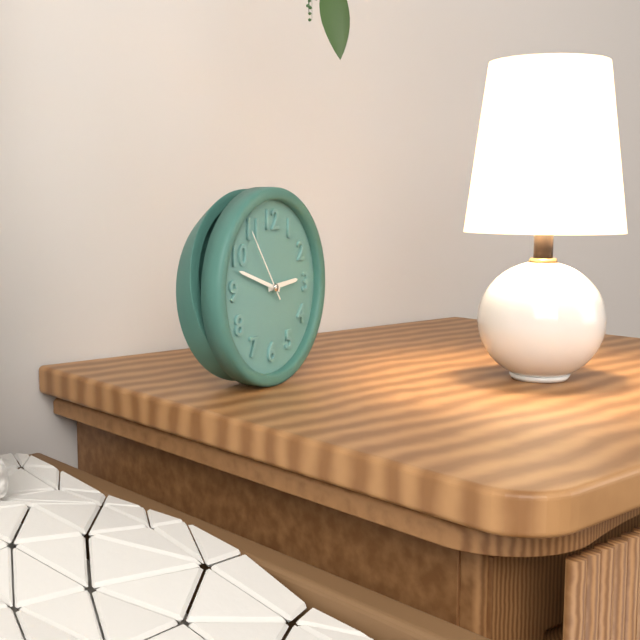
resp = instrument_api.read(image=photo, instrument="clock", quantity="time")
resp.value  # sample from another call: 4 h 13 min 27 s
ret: 2 h 48 min 54 s
